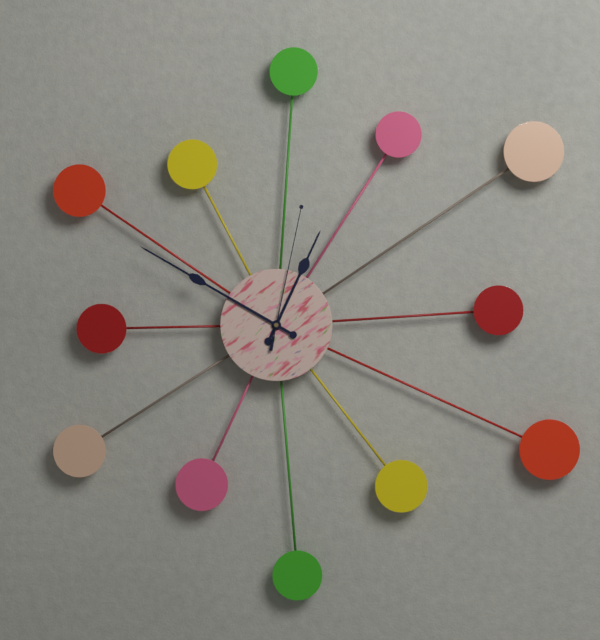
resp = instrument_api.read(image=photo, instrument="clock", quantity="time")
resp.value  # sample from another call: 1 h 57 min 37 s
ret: 12 h 50 min 02 s
